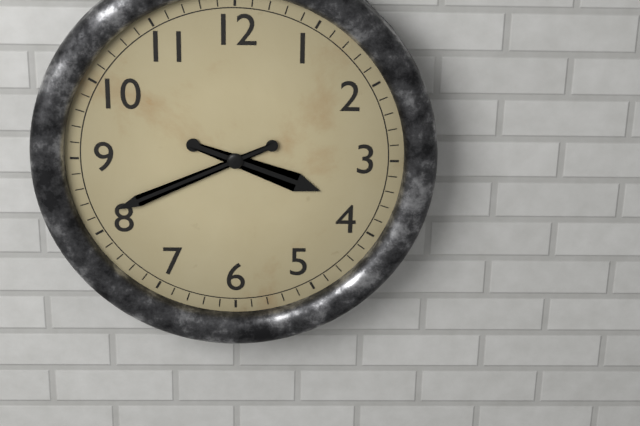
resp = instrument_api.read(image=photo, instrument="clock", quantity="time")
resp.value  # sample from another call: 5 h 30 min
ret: 3 h 41 min
